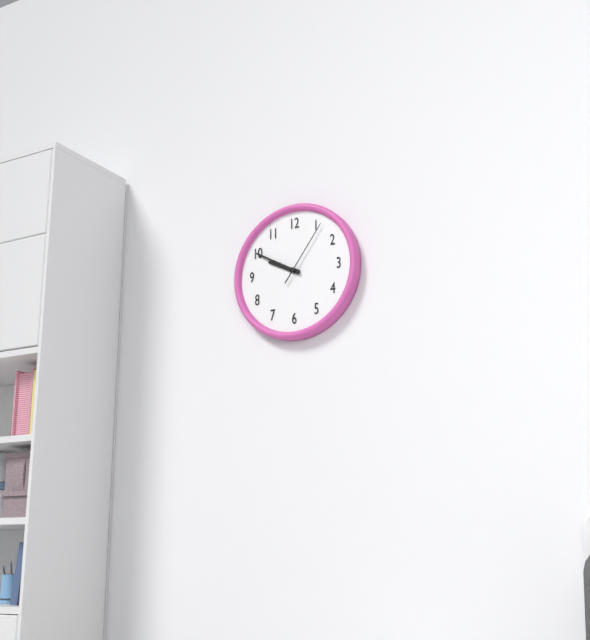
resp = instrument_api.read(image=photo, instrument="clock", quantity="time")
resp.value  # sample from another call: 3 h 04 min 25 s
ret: 9 h 50 min 06 s
